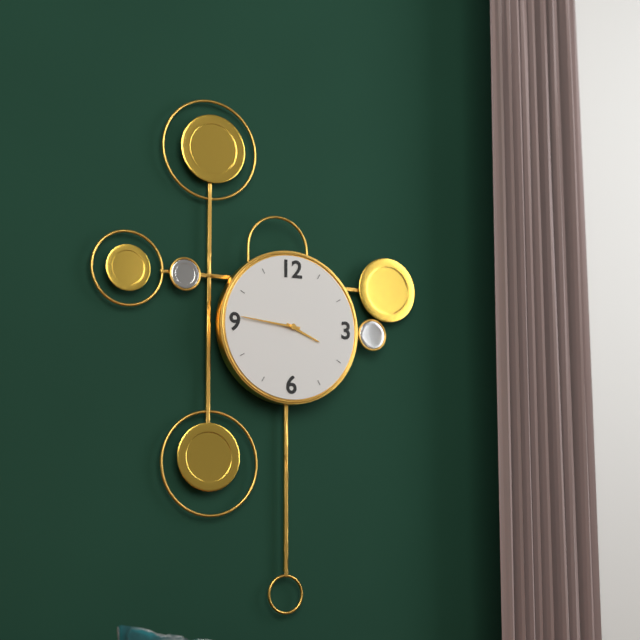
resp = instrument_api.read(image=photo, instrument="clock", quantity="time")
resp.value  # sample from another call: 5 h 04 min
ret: 3 h 46 min
